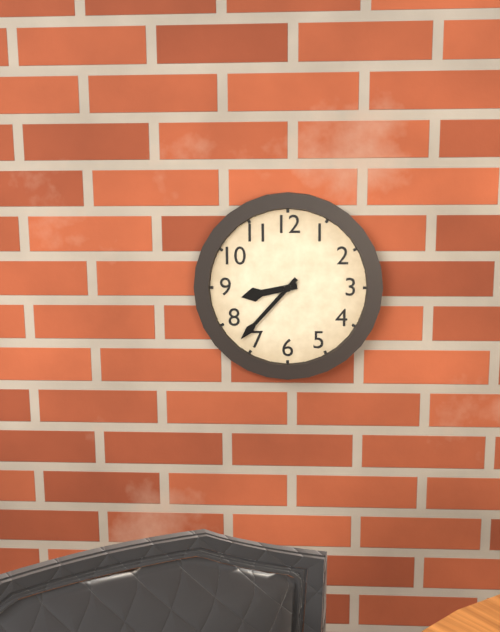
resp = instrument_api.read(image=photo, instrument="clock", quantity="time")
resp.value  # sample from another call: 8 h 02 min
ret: 8 h 37 min
